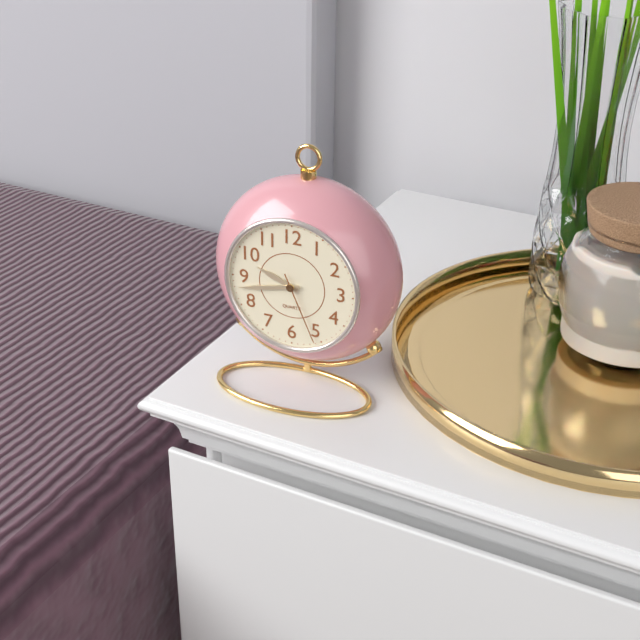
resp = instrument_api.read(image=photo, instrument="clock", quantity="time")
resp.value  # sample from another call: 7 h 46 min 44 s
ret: 9 h 43 min 26 s
